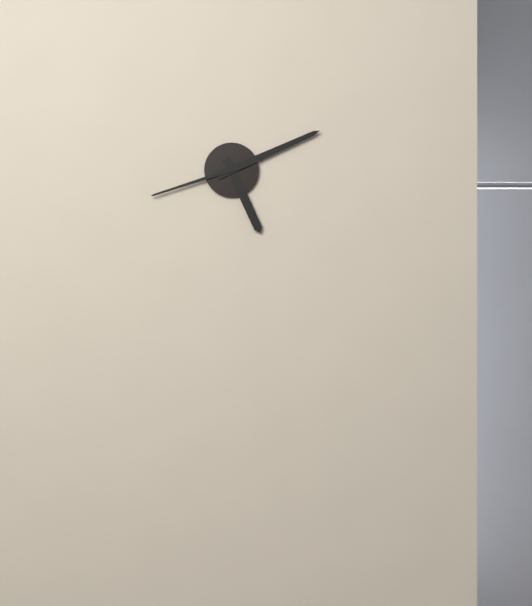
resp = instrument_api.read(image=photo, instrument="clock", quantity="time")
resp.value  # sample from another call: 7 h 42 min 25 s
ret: 5 h 11 min 42 s
